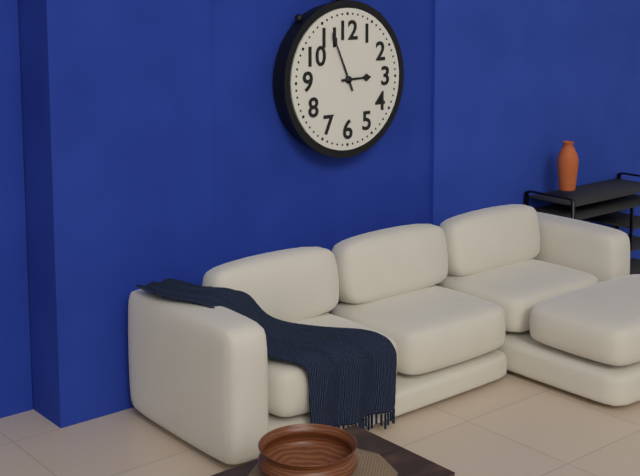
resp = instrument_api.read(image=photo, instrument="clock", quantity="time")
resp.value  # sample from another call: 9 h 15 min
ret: 2 h 56 min
